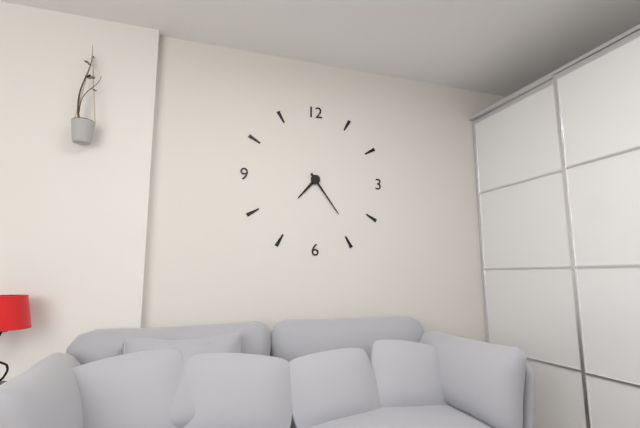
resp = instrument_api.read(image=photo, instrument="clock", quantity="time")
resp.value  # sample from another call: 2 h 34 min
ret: 7 h 24 min
